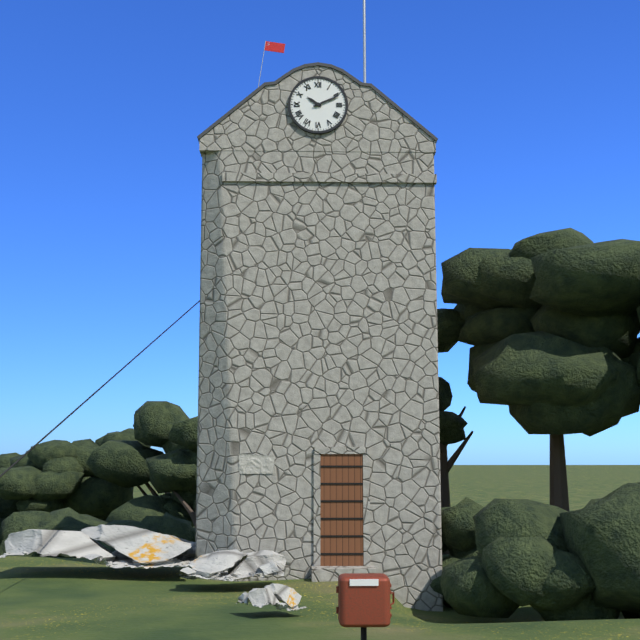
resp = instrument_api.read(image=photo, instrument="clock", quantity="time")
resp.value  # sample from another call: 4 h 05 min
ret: 10 h 11 min
